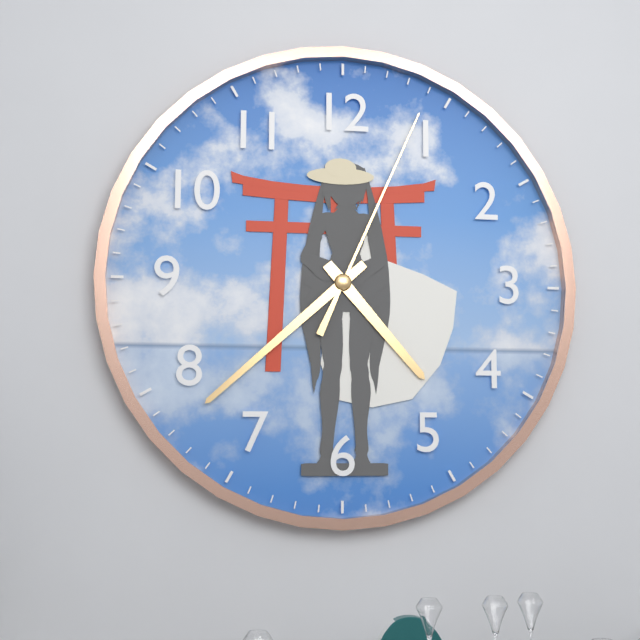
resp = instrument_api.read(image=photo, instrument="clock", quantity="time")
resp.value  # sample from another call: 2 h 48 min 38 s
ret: 4 h 38 min 04 s
